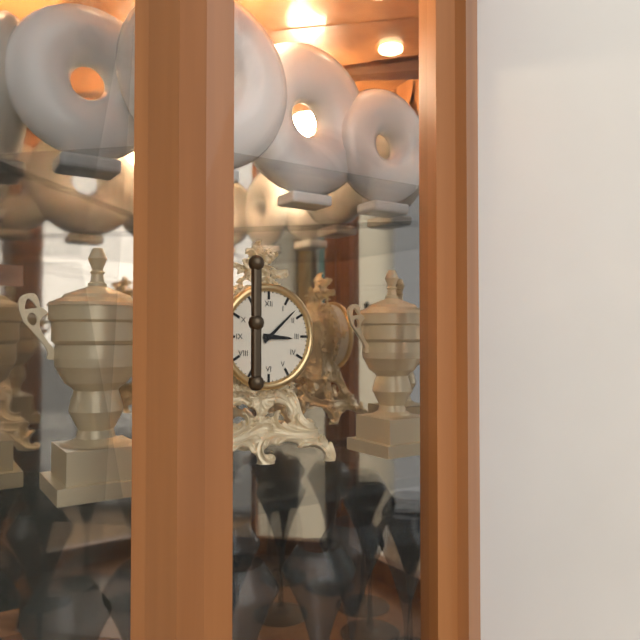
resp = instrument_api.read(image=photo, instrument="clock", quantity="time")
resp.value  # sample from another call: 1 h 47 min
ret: 3 h 08 min
